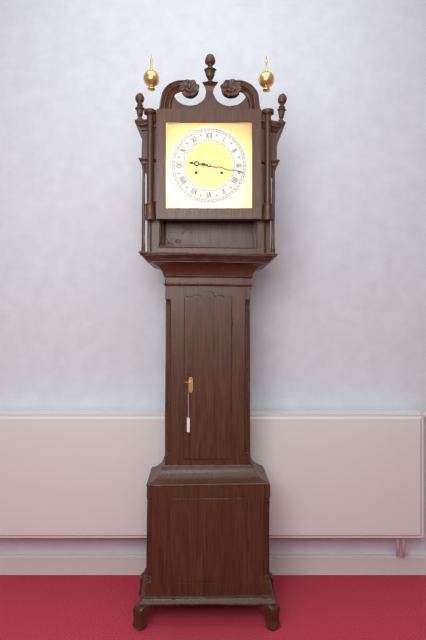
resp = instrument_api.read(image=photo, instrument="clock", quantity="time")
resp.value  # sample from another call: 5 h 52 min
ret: 9 h 17 min
